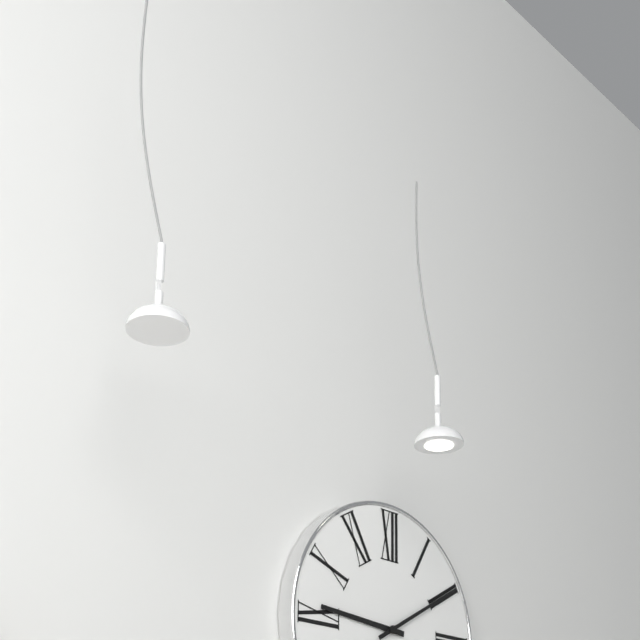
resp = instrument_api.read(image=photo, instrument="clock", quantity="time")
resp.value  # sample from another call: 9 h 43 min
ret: 9 h 10 min
